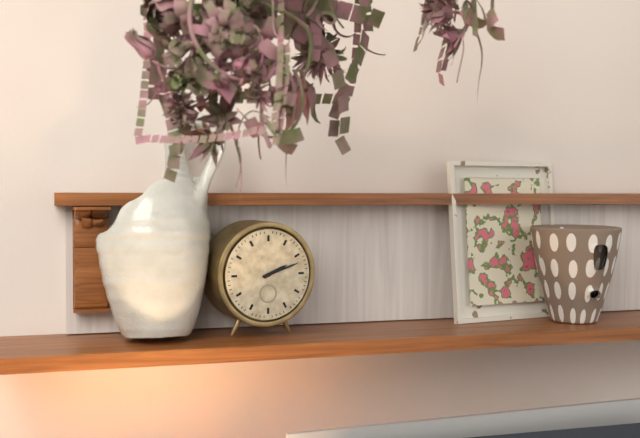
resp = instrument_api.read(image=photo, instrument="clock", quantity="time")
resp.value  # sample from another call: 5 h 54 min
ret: 2 h 12 min
